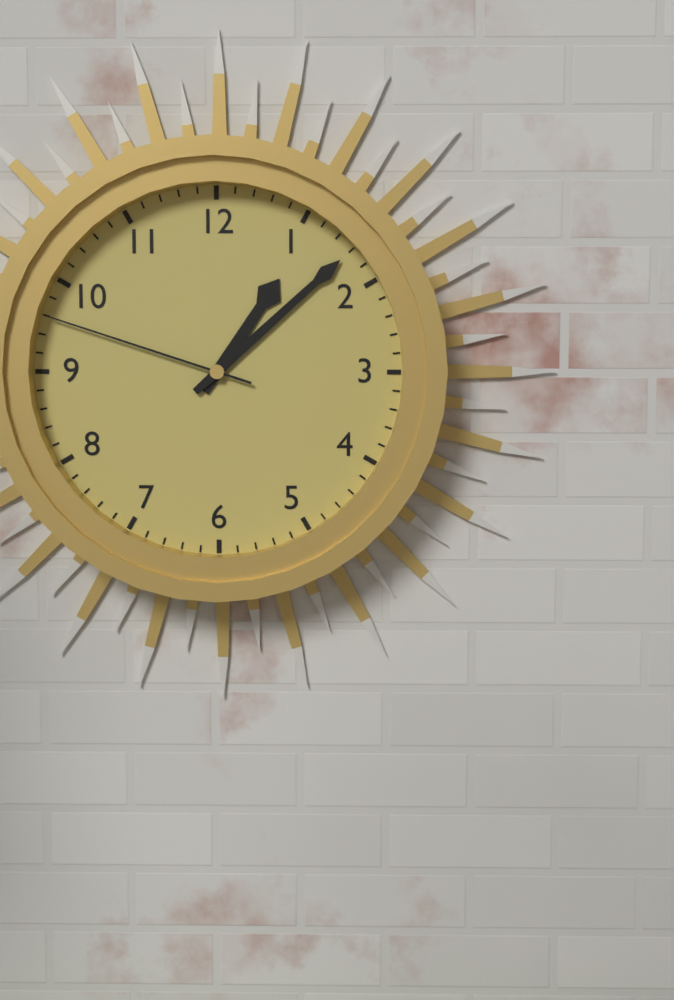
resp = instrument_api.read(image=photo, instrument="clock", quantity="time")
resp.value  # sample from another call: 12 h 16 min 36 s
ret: 1 h 08 min 48 s
